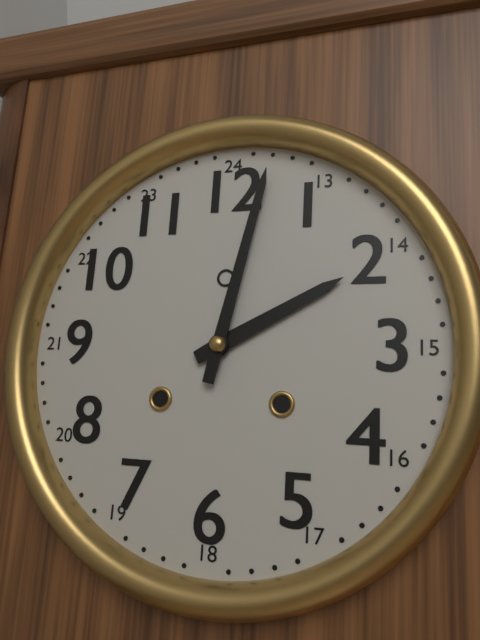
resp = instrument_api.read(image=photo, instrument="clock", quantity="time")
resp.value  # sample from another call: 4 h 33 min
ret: 2 h 02 min
